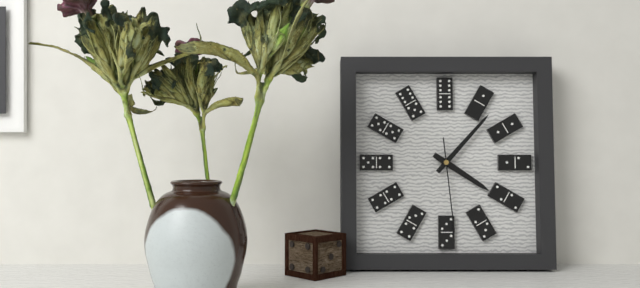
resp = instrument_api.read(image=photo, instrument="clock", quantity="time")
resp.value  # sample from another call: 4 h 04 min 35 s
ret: 4 h 07 min 29 s
